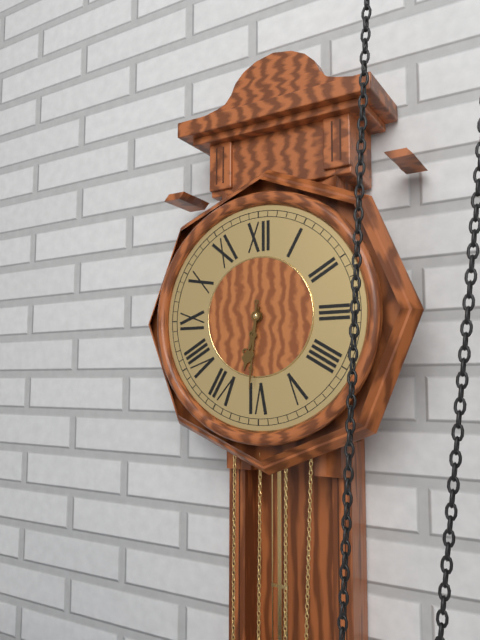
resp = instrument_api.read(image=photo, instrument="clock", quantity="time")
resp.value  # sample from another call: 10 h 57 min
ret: 6 h 31 min
